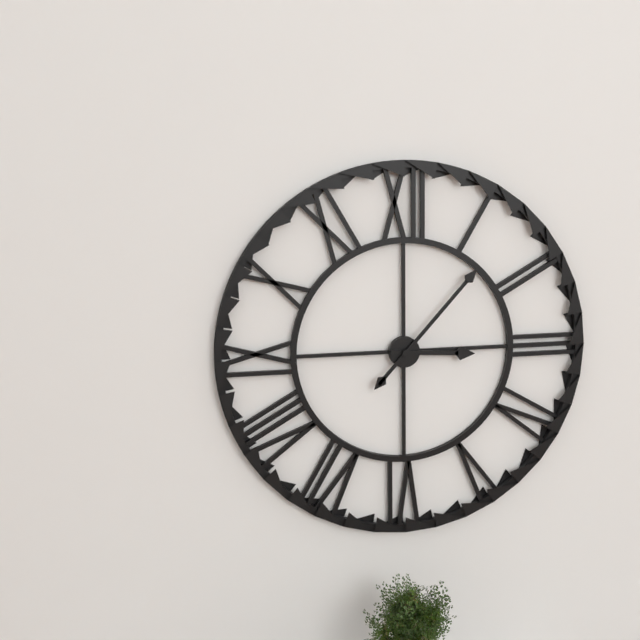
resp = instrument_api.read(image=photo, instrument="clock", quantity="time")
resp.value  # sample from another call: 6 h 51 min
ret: 3 h 07 min
